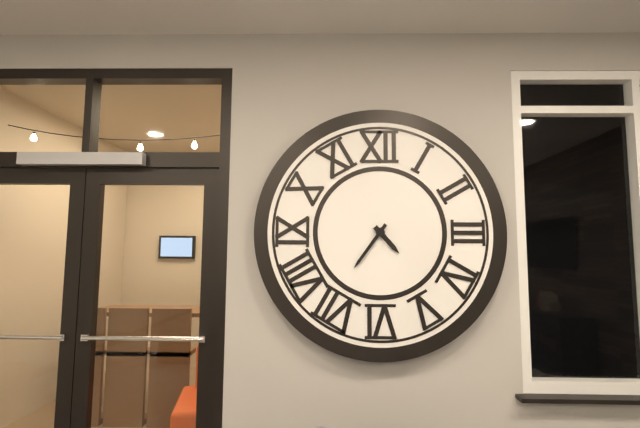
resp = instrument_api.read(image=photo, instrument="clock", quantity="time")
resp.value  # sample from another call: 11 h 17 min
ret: 4 h 36 min
